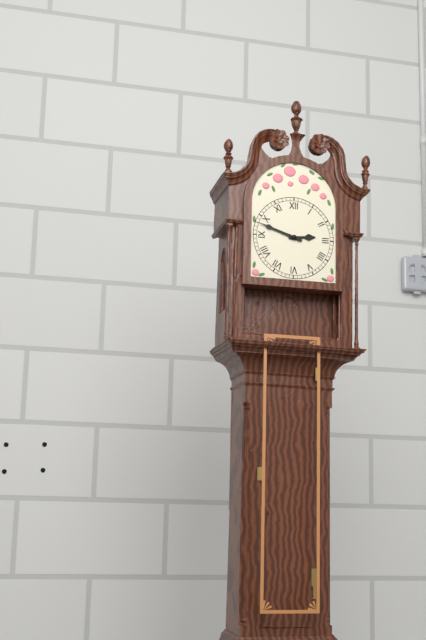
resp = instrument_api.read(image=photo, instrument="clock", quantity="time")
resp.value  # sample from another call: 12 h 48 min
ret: 2 h 48 min
